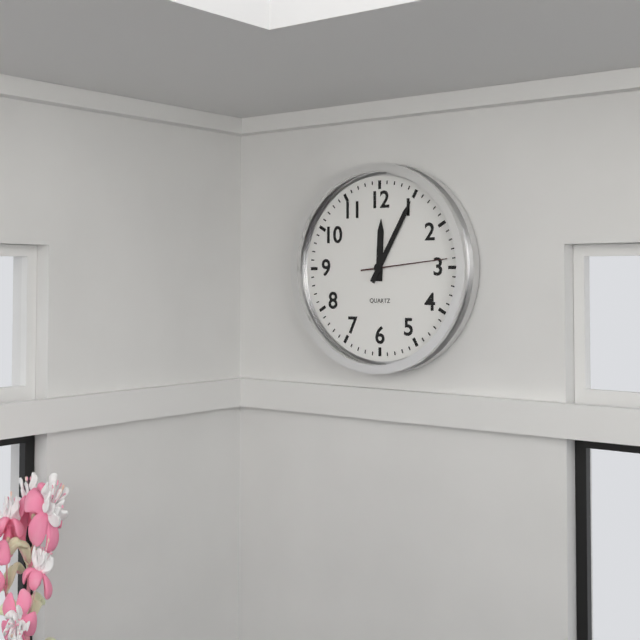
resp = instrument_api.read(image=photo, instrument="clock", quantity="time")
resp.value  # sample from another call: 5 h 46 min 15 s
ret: 12 h 05 min 14 s
